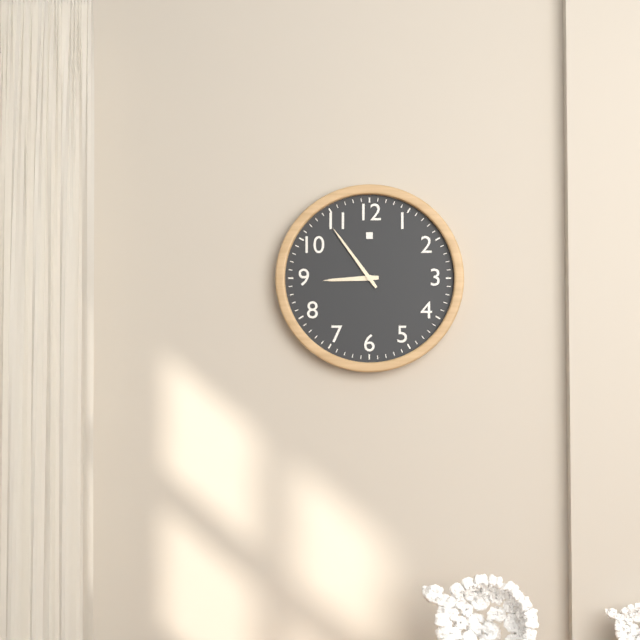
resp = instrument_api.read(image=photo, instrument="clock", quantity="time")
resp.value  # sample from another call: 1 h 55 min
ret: 8 h 54 min
